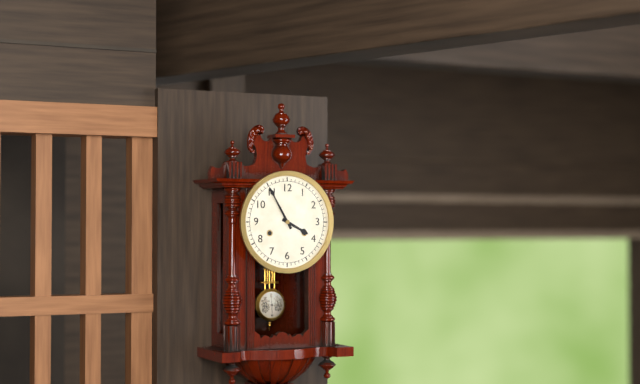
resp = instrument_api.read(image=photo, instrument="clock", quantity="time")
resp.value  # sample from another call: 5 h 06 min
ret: 3 h 55 min
